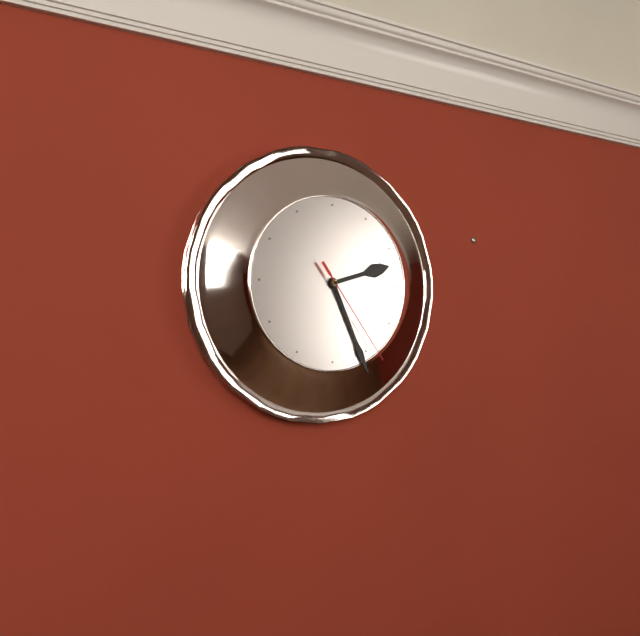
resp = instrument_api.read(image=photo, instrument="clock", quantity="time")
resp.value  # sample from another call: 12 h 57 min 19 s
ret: 2 h 26 min 24 s
